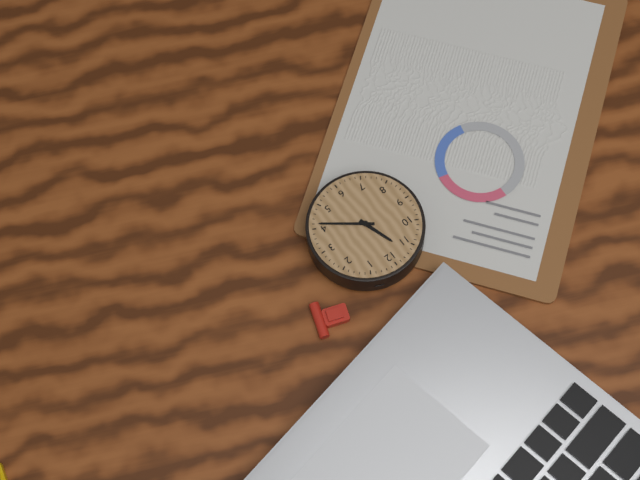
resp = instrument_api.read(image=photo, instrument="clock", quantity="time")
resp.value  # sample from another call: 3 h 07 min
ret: 11 h 21 min
